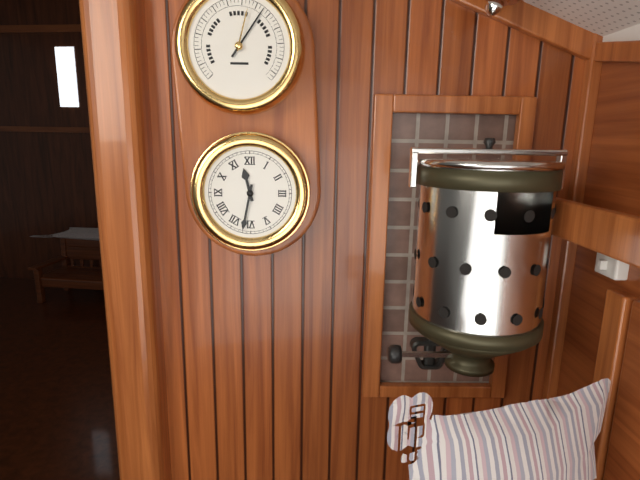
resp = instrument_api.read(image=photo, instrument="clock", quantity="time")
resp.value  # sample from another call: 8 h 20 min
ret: 11 h 32 min
